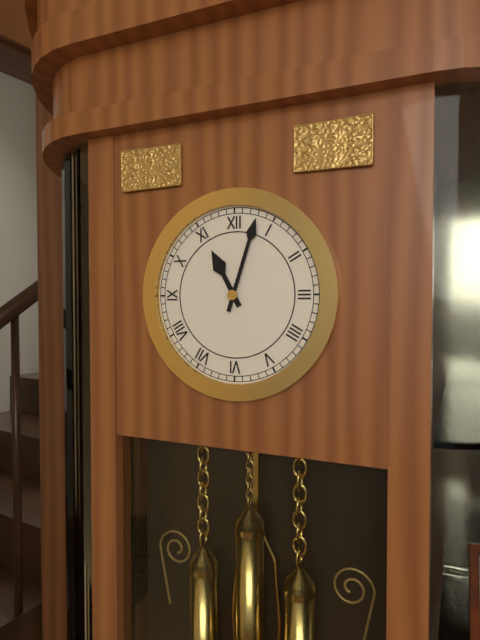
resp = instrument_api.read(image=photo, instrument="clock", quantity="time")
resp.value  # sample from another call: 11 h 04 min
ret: 11 h 03 min
